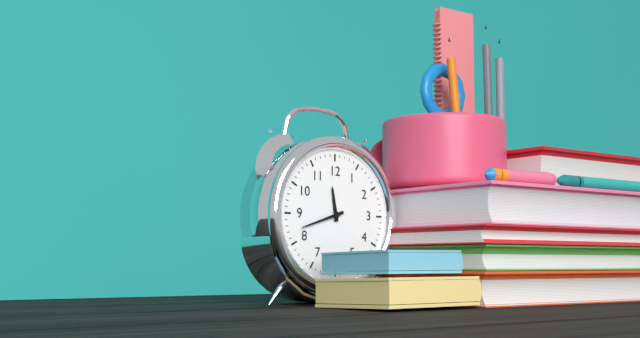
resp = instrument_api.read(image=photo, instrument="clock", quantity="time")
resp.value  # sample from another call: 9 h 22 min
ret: 11 h 42 min
